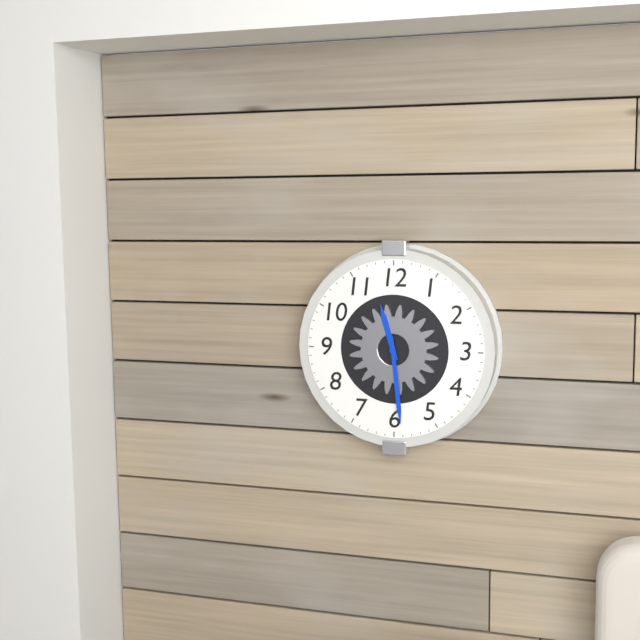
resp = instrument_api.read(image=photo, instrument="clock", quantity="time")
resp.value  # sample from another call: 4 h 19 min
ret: 11 h 29 min
